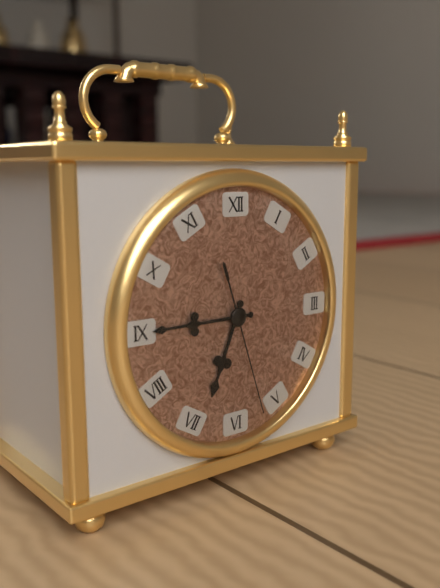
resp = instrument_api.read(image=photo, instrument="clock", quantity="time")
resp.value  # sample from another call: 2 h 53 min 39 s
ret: 6 h 45 min 27 s
